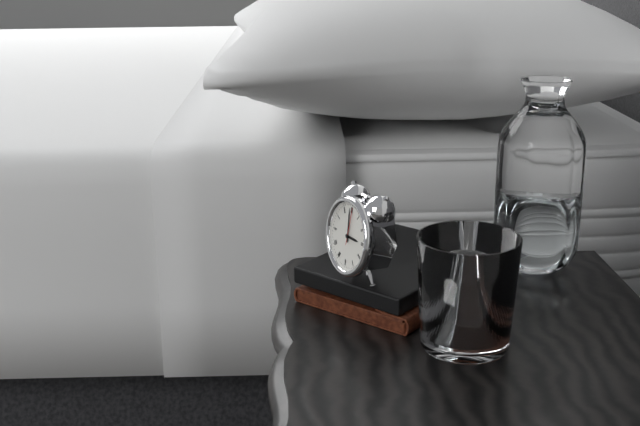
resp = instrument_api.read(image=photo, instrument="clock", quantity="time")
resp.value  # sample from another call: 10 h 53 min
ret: 2 h 59 min
